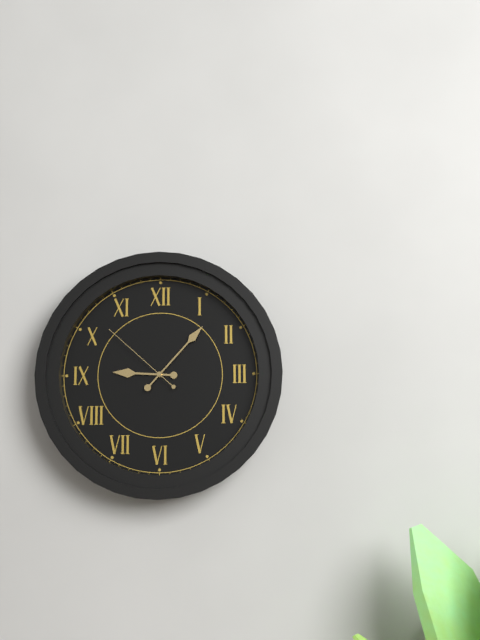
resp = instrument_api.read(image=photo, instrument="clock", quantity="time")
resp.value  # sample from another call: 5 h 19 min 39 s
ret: 9 h 07 min 52 s
